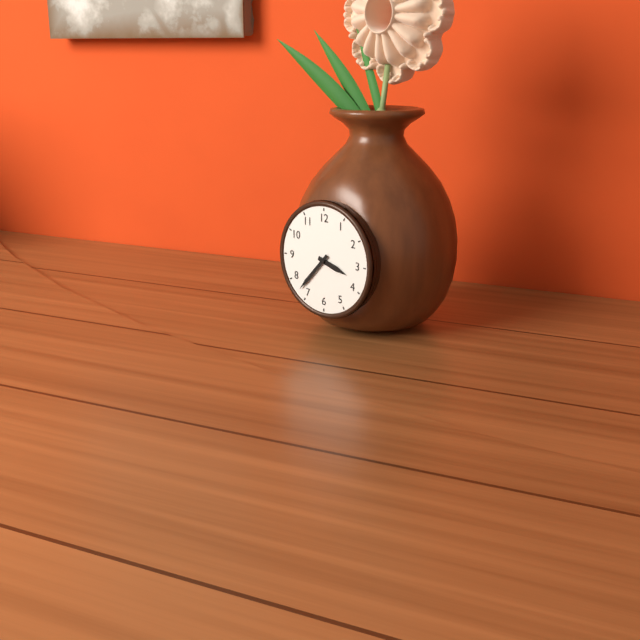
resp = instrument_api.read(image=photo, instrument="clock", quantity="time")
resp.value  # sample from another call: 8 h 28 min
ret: 3 h 37 min
